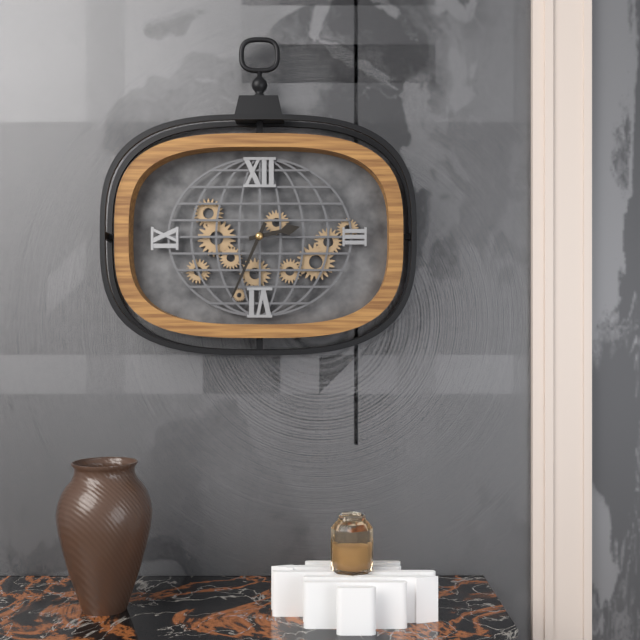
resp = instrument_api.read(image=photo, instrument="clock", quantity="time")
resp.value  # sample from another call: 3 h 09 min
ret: 2 h 34 min
